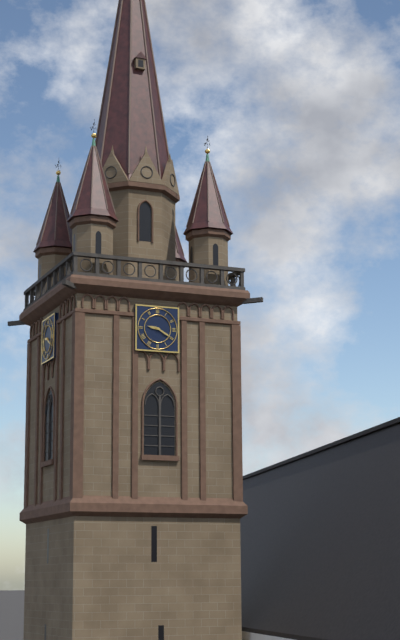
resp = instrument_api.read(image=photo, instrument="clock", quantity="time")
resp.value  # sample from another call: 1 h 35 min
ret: 9 h 20 min
